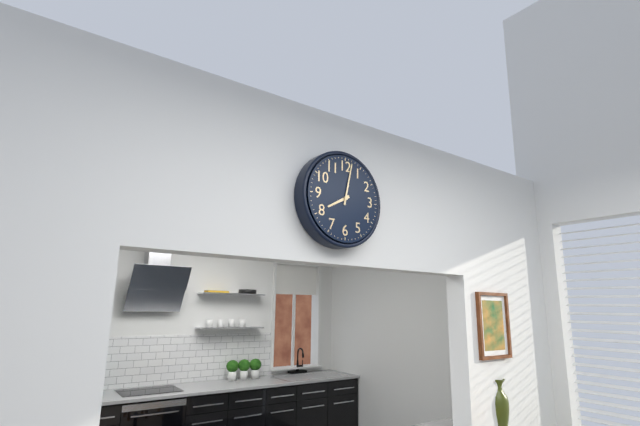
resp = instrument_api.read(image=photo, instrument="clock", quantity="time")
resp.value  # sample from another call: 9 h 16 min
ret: 8 h 02 min
